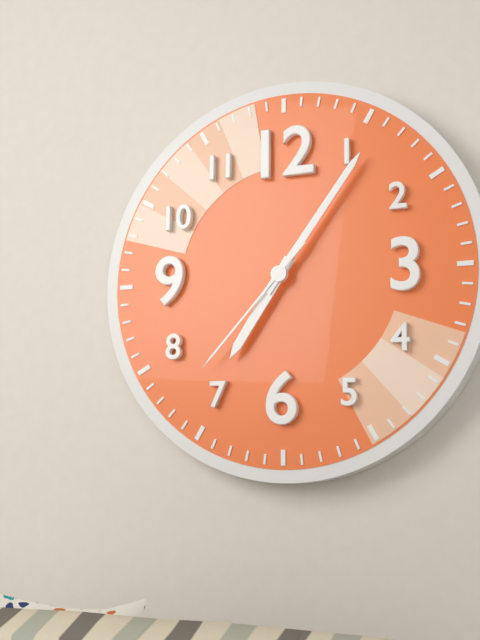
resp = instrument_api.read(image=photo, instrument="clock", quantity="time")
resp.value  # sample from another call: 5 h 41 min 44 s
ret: 7 h 06 min 37 s
